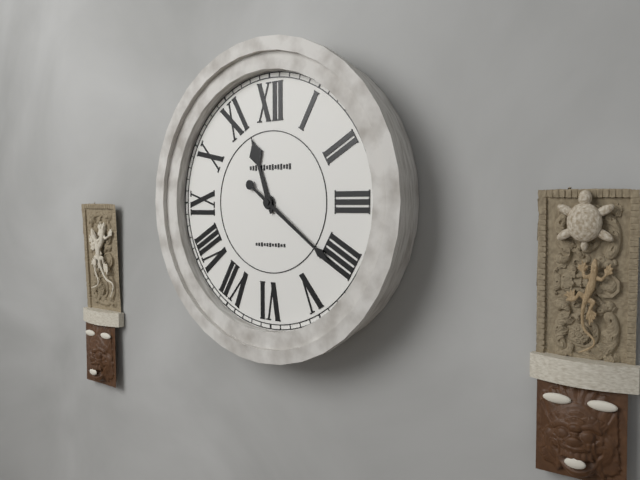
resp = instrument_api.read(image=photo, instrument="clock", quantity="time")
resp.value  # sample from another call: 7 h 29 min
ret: 11 h 21 min
